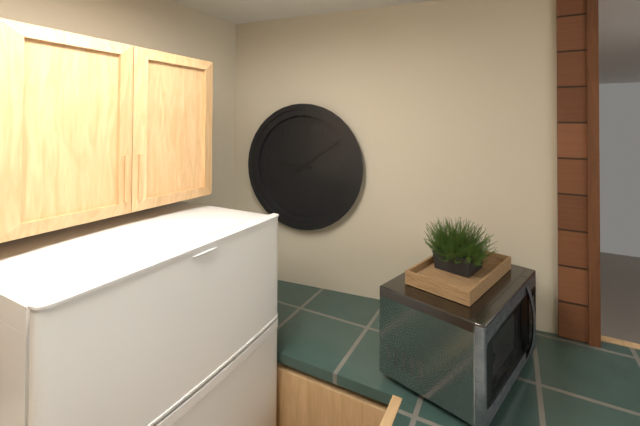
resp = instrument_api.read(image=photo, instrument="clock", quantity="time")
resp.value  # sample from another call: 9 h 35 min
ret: 9 h 09 min
